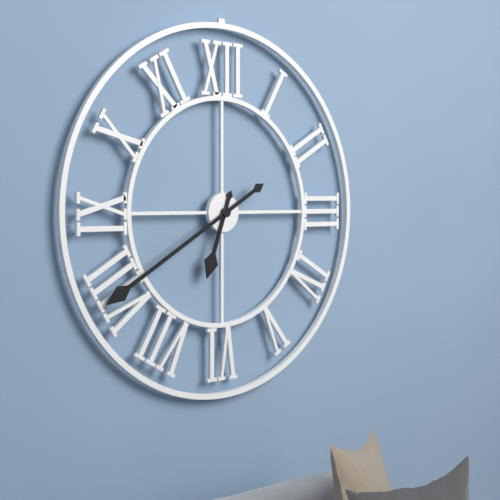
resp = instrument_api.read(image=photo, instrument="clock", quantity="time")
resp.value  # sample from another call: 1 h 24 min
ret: 6 h 40 min
